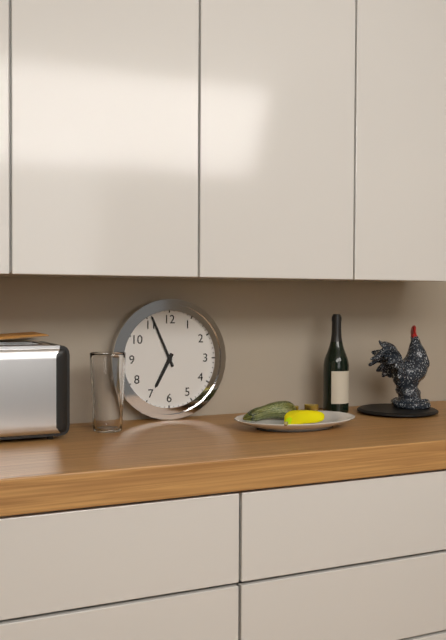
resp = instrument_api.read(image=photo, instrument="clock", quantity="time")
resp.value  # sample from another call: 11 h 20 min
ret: 6 h 56 min
